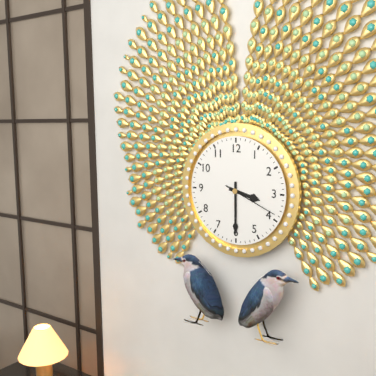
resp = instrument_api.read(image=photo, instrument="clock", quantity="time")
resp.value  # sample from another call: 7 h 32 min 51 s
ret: 3 h 30 min 19 s
